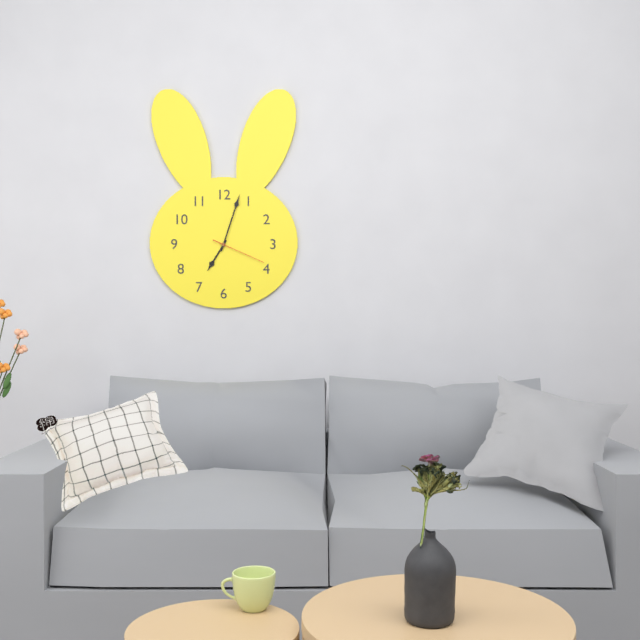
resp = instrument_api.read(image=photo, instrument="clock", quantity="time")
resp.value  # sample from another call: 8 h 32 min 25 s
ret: 7 h 03 min 19 s
